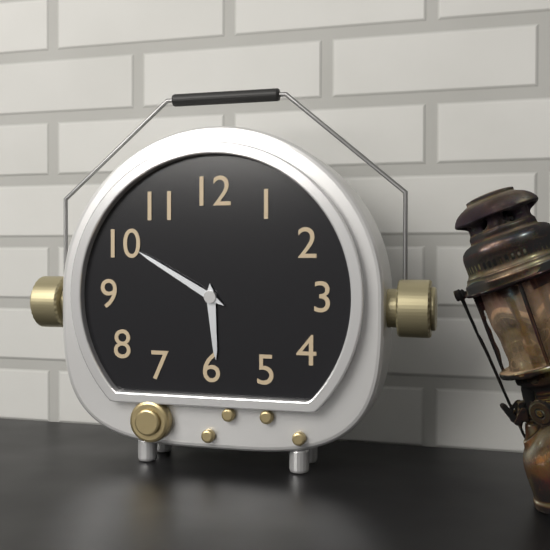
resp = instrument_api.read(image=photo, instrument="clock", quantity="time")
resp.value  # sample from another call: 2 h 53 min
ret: 5 h 50 min
